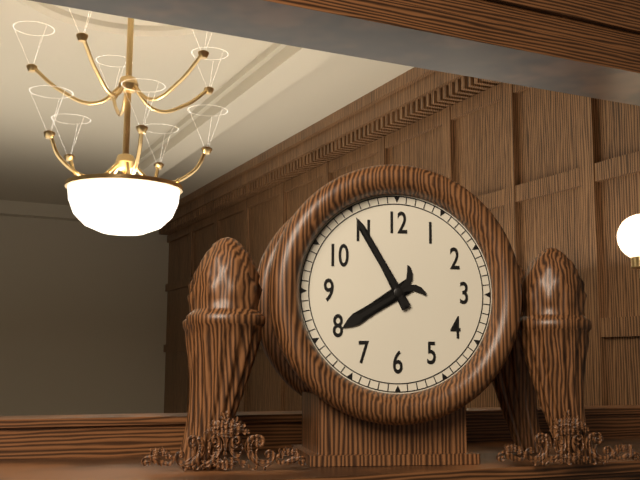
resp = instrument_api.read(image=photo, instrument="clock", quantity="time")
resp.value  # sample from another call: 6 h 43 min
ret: 7 h 55 min
